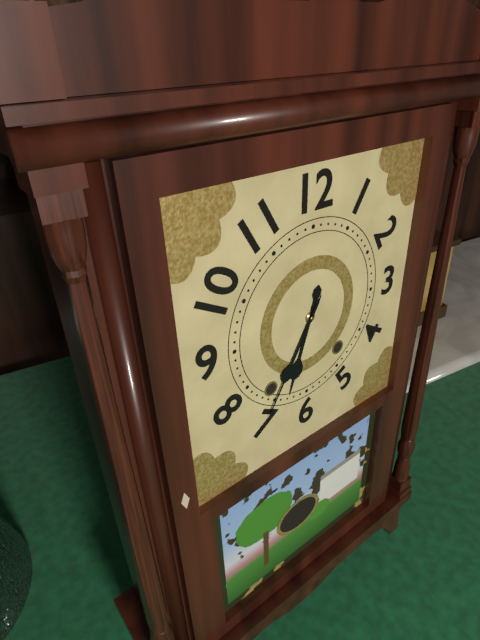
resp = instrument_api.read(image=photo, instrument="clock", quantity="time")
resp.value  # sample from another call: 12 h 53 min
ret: 6 h 35 min
